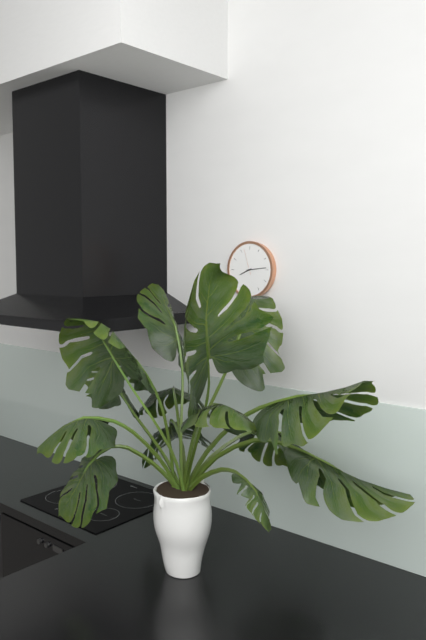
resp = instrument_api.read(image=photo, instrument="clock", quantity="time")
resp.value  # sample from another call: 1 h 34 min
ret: 8 h 14 min
